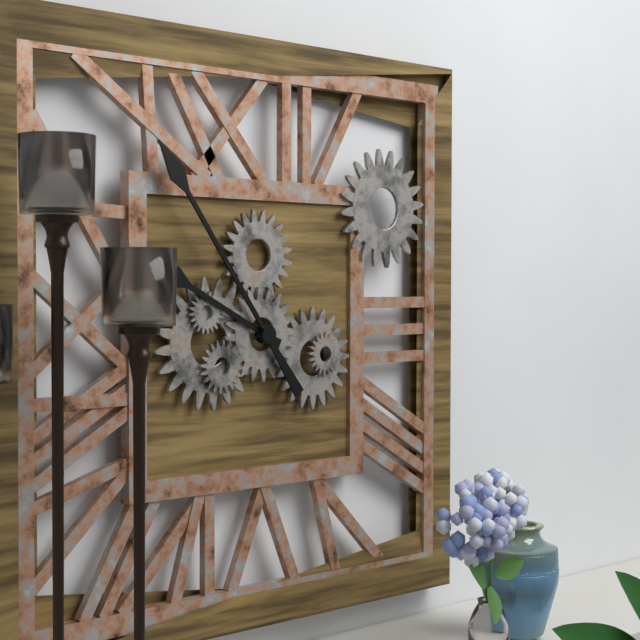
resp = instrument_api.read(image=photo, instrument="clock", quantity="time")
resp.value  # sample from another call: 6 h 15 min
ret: 9 h 54 min
